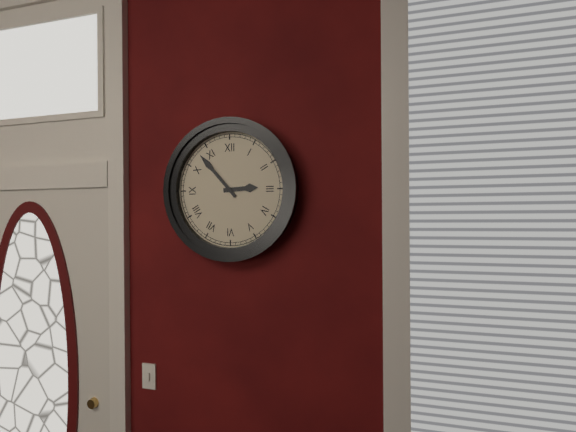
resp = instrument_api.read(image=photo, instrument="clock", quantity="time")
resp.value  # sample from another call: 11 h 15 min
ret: 2 h 53 min
